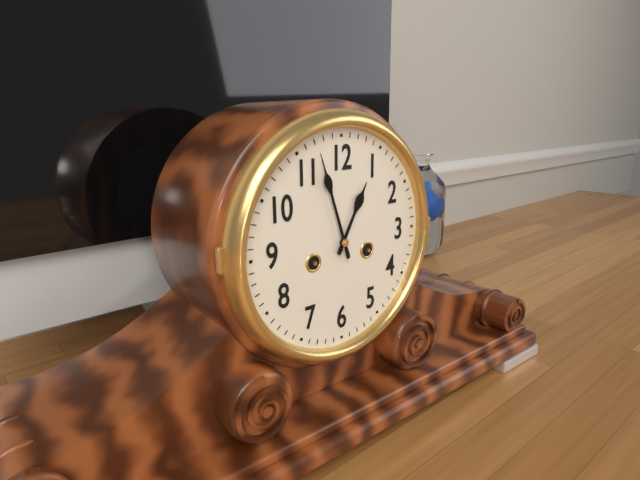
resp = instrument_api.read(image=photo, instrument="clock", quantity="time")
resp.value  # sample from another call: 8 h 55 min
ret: 12 h 57 min
